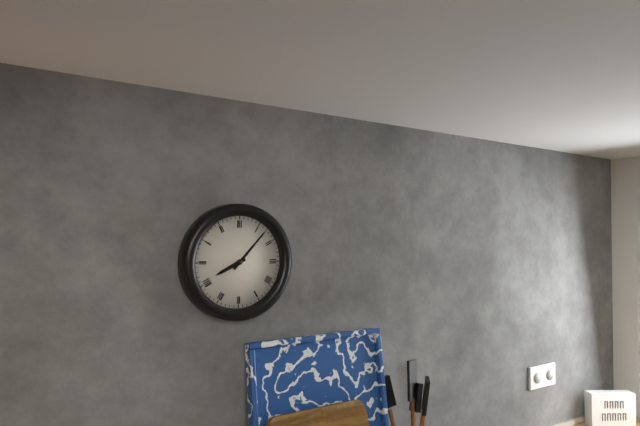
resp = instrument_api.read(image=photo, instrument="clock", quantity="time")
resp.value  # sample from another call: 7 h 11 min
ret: 8 h 07 min
